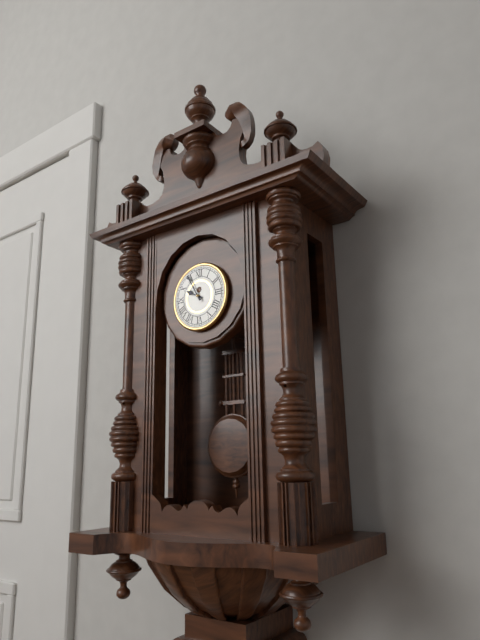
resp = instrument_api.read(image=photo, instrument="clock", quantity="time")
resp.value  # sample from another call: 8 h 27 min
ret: 9 h 55 min
